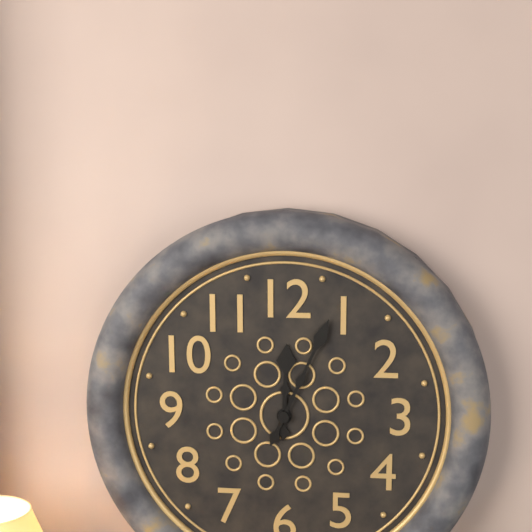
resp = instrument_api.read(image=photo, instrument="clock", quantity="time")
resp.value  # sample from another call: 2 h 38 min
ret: 12 h 04 min
